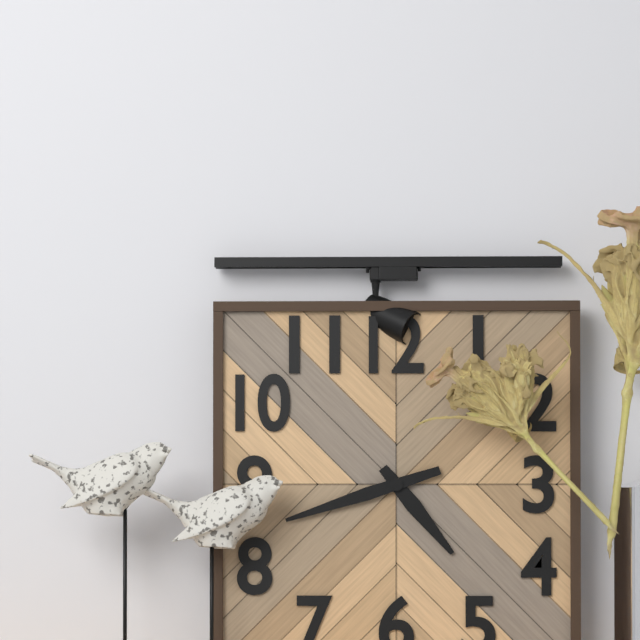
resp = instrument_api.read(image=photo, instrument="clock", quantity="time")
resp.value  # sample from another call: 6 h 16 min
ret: 4 h 42 min
